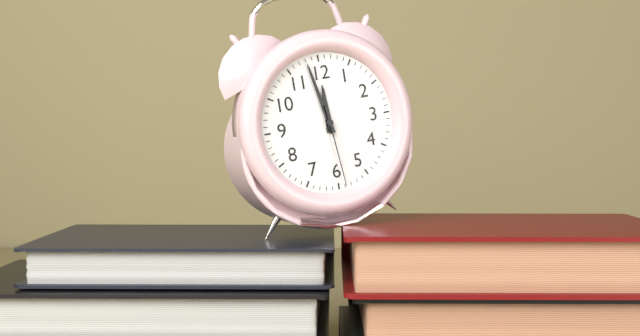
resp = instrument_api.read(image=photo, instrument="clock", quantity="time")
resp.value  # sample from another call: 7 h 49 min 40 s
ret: 11 h 58 min 29 s
